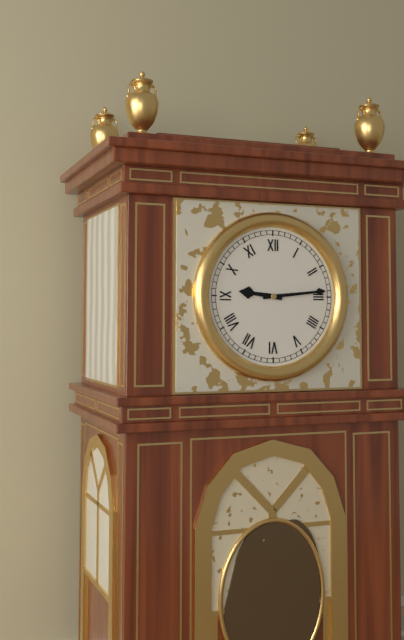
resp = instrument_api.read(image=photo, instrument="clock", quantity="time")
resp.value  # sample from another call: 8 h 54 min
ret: 9 h 14 min
